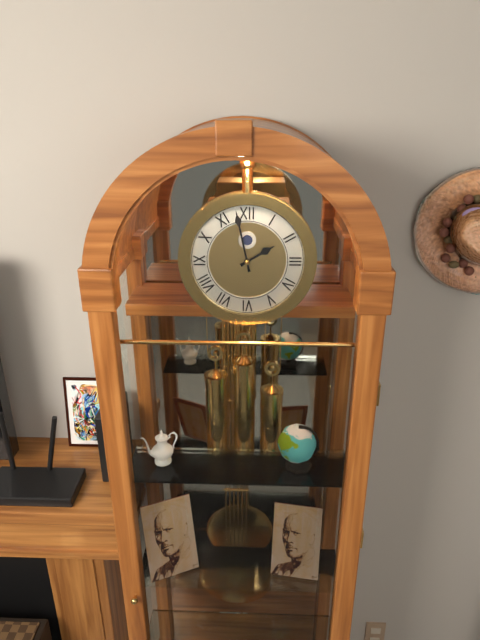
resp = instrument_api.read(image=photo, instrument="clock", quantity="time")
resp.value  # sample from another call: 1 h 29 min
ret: 1 h 58 min
